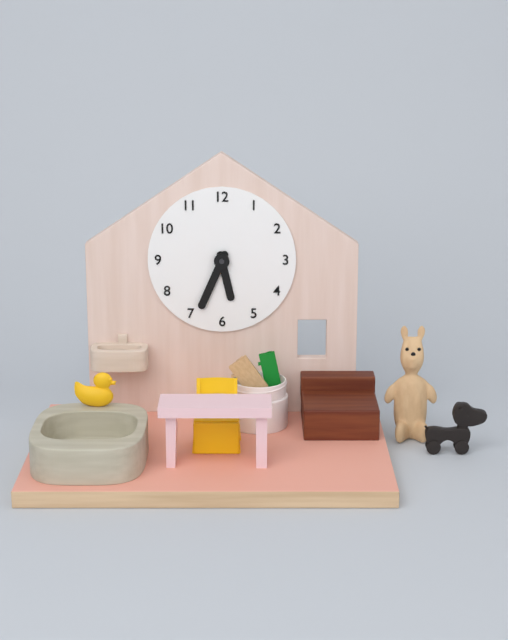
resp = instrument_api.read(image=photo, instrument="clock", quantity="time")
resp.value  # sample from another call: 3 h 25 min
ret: 5 h 34 min
